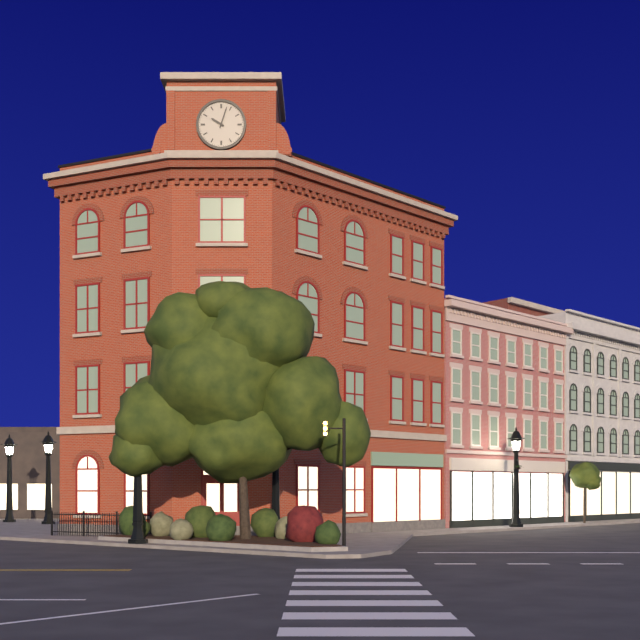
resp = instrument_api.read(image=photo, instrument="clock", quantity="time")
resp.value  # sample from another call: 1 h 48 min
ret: 10 h 03 min
